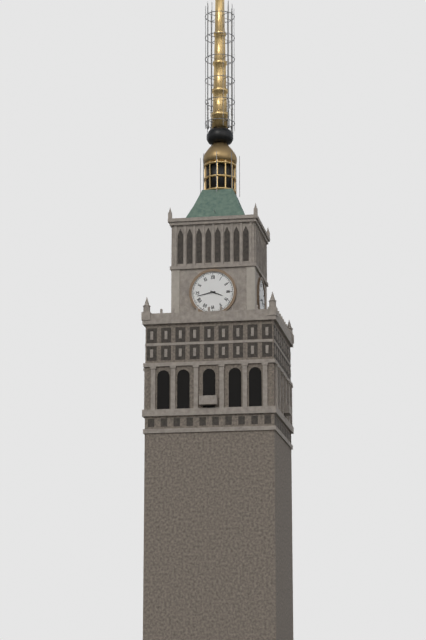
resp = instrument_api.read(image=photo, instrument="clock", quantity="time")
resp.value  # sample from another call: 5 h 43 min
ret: 3 h 43 min
